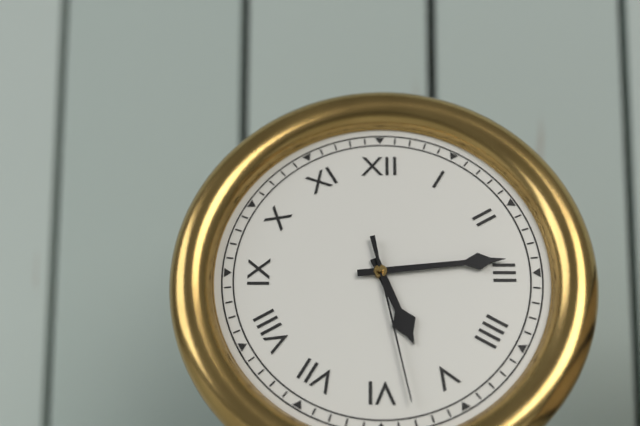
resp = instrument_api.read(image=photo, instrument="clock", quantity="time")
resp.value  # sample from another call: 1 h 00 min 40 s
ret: 5 h 14 min 28 s
